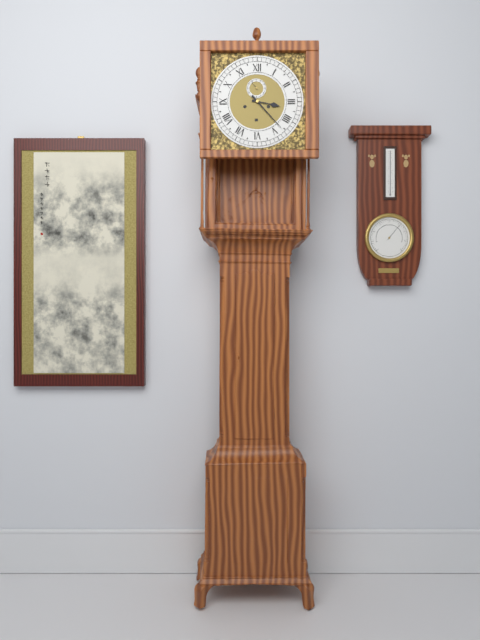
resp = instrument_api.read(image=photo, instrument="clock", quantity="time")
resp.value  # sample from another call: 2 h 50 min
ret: 3 h 23 min
